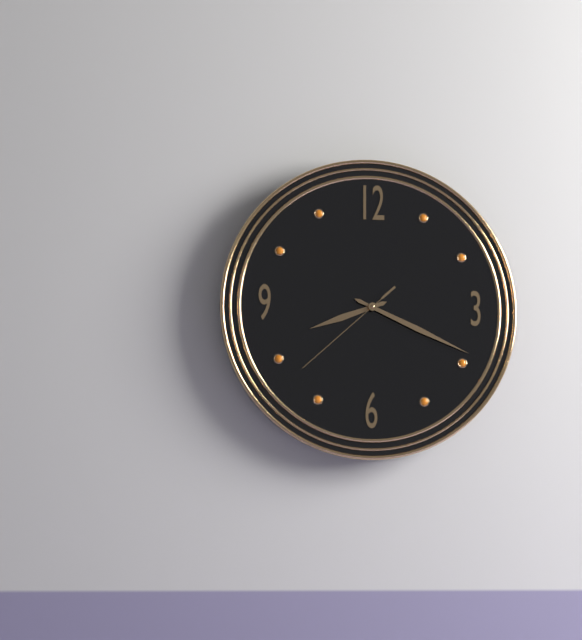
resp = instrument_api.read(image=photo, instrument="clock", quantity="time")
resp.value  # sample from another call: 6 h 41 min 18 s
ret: 8 h 19 min 38 s
